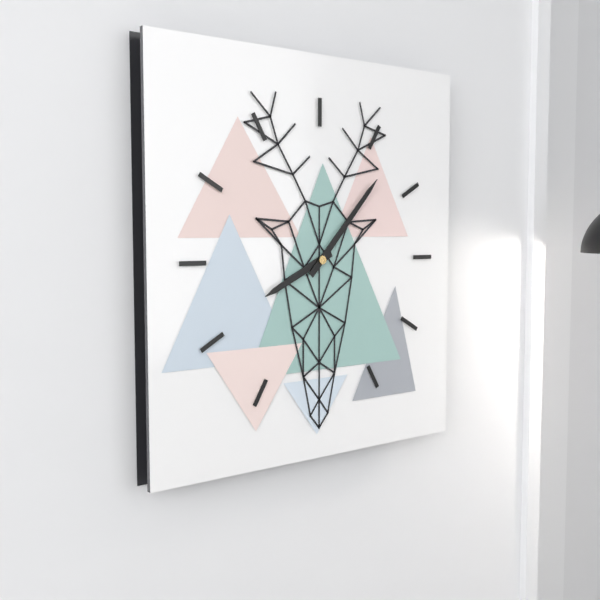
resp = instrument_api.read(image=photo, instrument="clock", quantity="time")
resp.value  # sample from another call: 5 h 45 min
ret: 8 h 07 min
